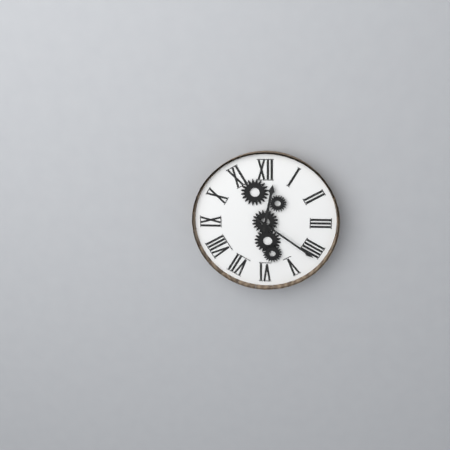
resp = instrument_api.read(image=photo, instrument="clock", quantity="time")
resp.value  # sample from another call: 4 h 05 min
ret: 12 h 21 min
